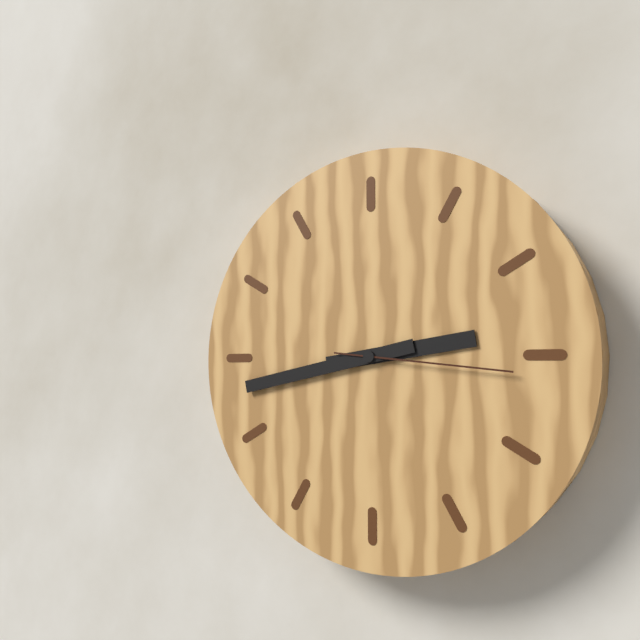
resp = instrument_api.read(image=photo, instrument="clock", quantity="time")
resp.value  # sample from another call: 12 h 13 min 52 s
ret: 2 h 43 min 16 s
